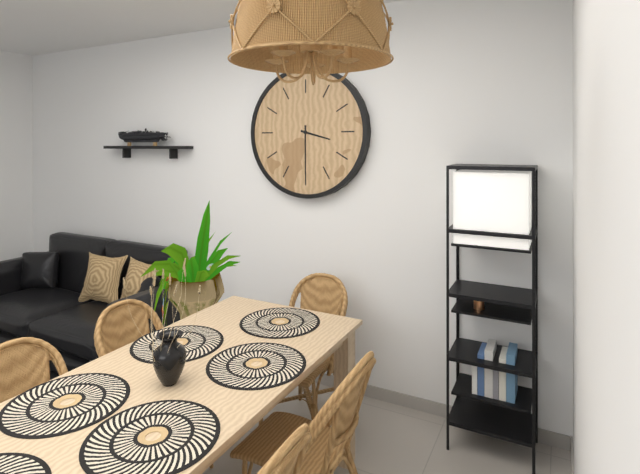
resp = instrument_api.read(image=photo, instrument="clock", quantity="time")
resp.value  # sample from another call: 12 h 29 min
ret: 3 h 30 min
